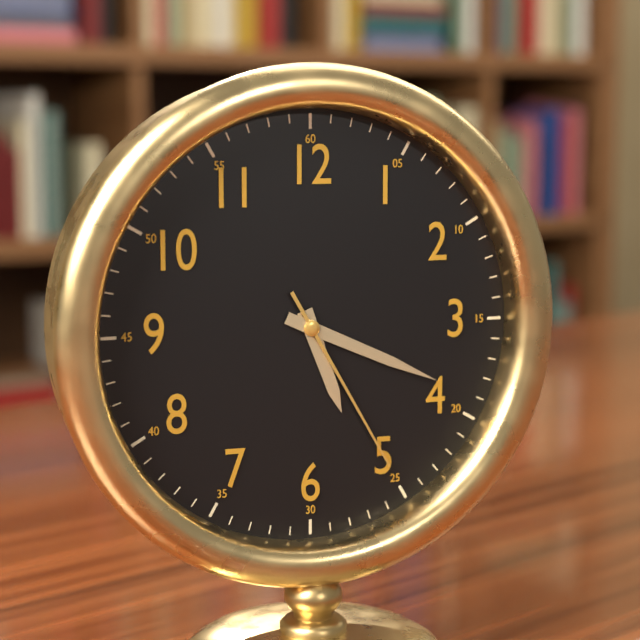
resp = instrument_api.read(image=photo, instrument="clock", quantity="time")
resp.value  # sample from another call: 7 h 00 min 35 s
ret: 5 h 19 min 25 s
